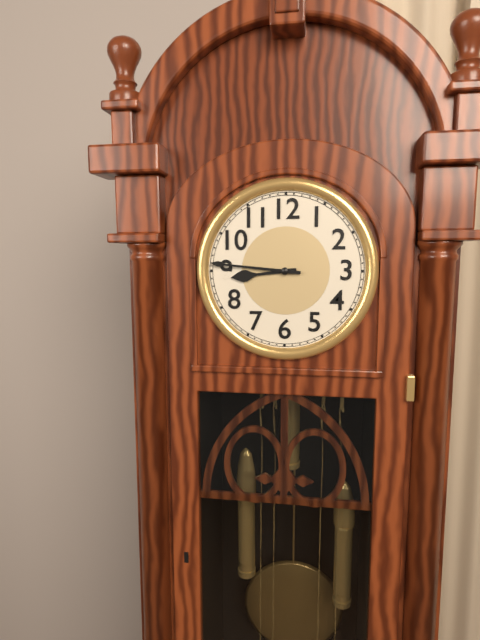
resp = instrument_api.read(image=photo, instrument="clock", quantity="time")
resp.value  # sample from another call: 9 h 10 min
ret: 8 h 46 min
